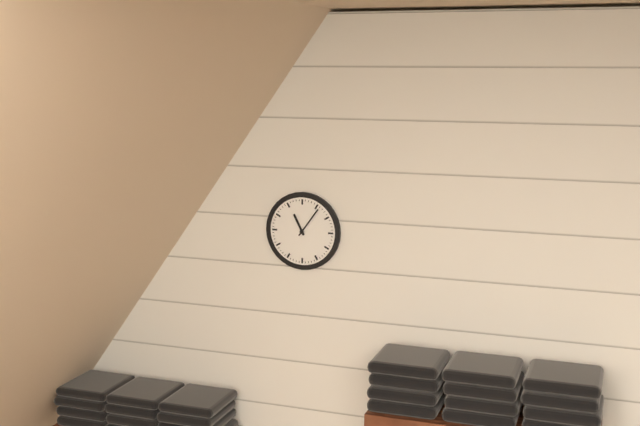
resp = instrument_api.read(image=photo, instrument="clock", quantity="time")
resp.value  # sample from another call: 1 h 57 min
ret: 11 h 06 min
